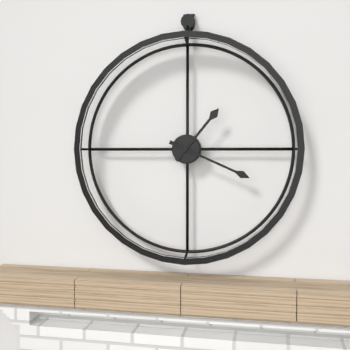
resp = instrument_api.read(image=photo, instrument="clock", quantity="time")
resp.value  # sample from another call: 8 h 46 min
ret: 1 h 19 min
